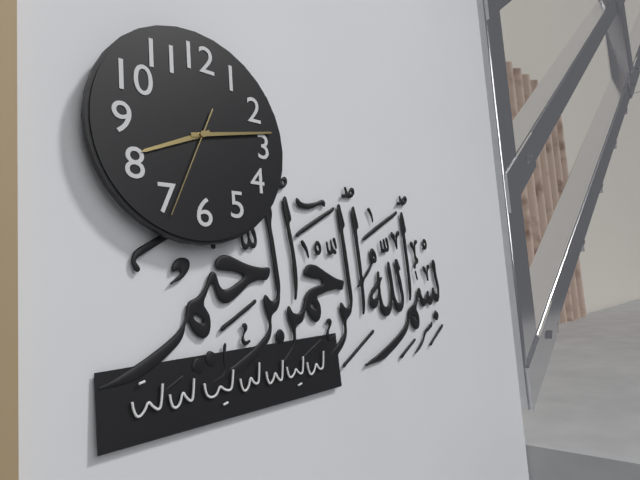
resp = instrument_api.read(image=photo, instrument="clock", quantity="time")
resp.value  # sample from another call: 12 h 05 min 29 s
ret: 8 h 13 min 34 s
